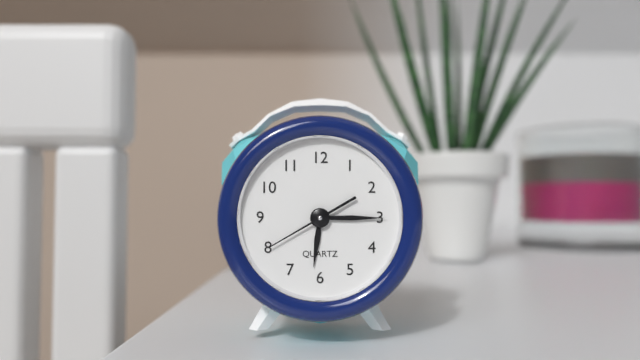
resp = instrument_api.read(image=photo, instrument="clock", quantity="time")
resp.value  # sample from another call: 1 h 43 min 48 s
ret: 6 h 15 min 40 s
